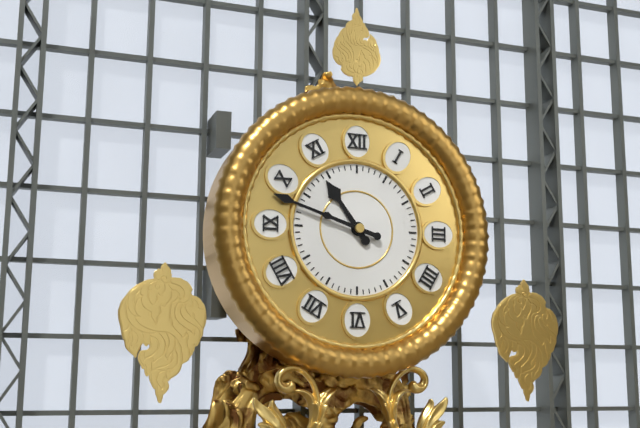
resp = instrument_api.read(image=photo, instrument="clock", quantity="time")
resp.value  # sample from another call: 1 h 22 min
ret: 10 h 48 min
